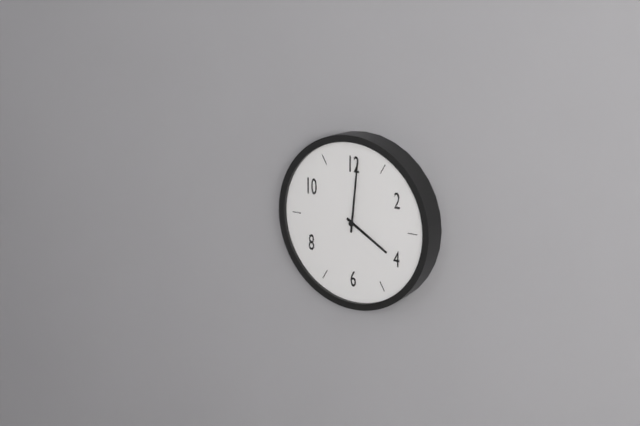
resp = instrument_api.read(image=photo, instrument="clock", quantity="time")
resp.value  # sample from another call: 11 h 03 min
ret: 4 h 01 min
